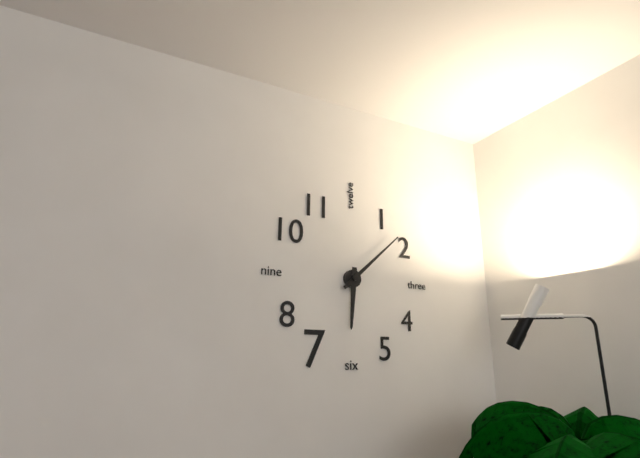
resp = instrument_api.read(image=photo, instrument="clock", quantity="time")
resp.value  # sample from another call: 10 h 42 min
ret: 6 h 08 min
